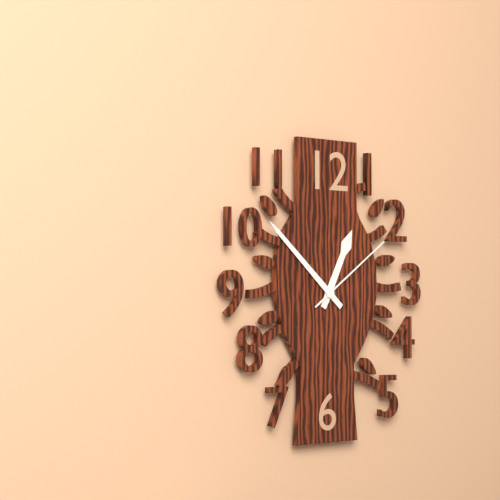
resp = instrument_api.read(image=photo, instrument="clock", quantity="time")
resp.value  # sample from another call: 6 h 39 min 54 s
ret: 12 h 52 min 09 s
